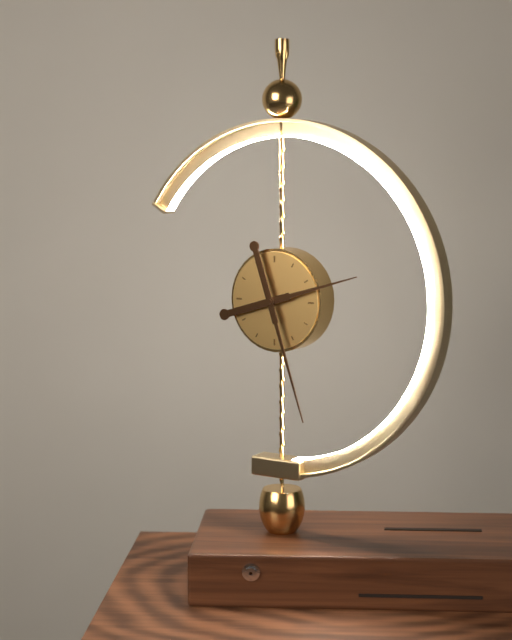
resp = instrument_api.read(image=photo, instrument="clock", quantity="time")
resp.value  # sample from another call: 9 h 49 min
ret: 2 h 27 min
